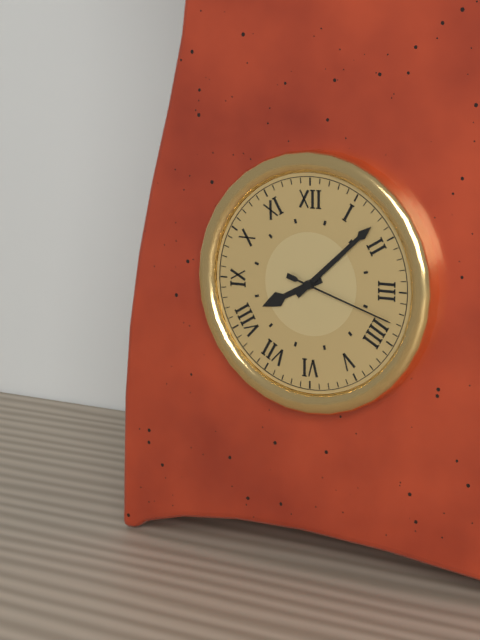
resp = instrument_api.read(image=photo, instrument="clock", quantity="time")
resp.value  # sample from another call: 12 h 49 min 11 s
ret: 8 h 08 min 18 s
